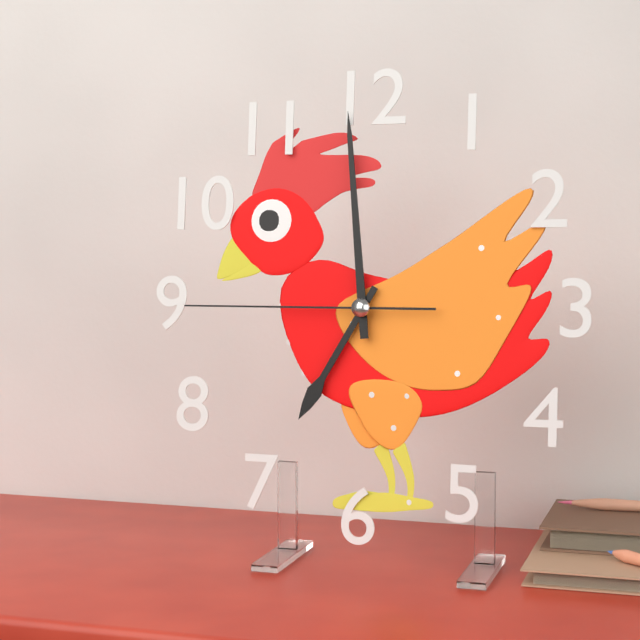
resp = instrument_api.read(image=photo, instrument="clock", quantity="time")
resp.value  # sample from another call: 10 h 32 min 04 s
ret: 6 h 59 min 45 s
